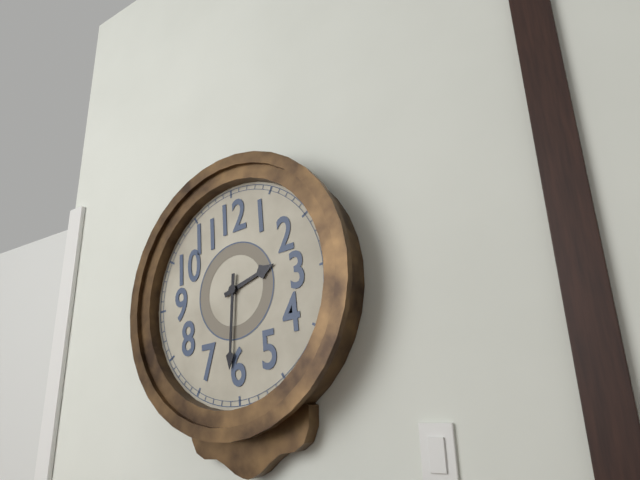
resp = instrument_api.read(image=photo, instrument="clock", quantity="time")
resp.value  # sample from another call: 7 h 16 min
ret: 2 h 31 min
